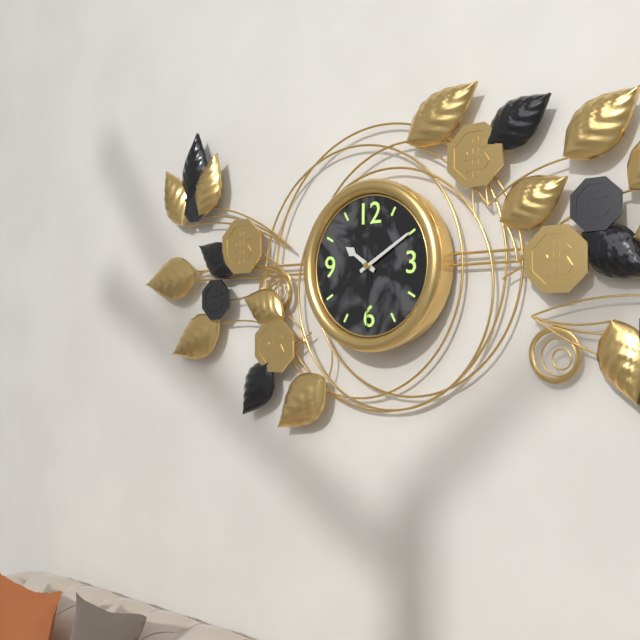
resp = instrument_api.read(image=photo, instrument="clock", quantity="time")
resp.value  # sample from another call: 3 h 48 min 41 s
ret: 10 h 10 min 30 s
